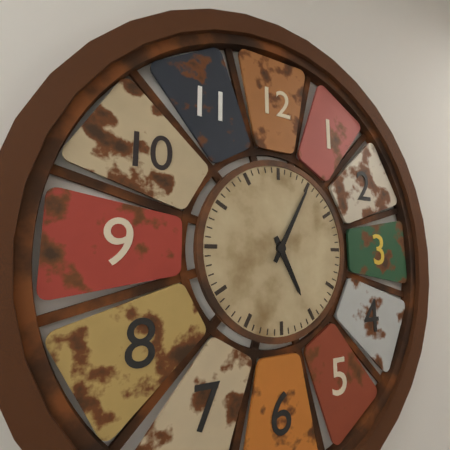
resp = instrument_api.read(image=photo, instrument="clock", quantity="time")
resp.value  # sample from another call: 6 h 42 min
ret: 5 h 05 min
